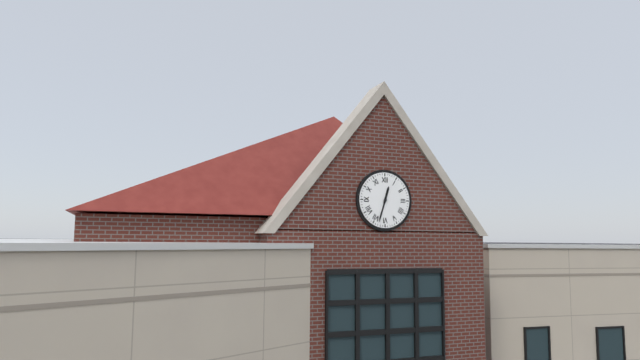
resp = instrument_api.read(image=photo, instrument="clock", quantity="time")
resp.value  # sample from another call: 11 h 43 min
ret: 12 h 33 min
